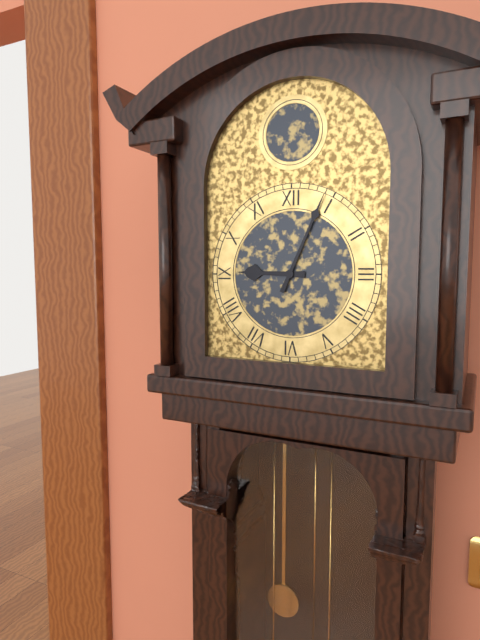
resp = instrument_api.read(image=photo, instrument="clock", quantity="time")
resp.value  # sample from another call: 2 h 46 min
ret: 9 h 04 min
